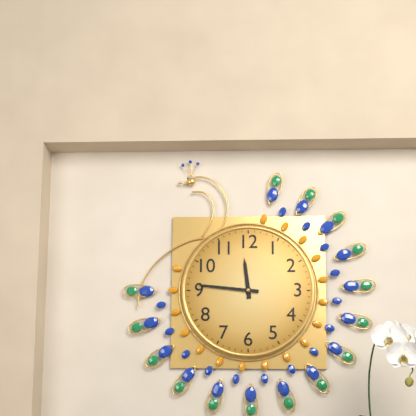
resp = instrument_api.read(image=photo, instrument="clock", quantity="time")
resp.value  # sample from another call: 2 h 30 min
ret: 11 h 46 min
